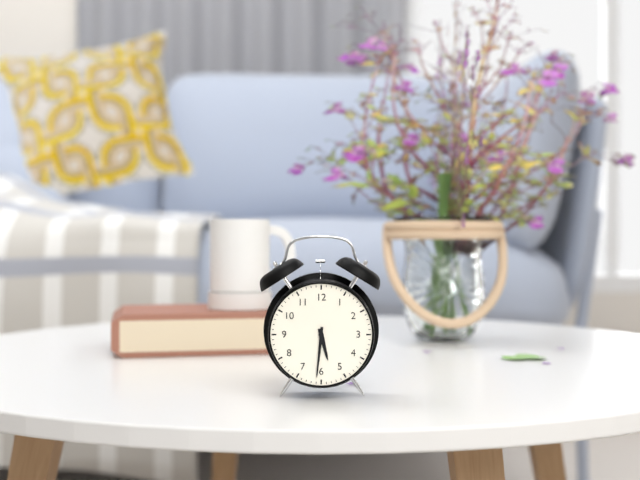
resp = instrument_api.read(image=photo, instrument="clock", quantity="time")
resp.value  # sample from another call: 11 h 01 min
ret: 5 h 31 min
